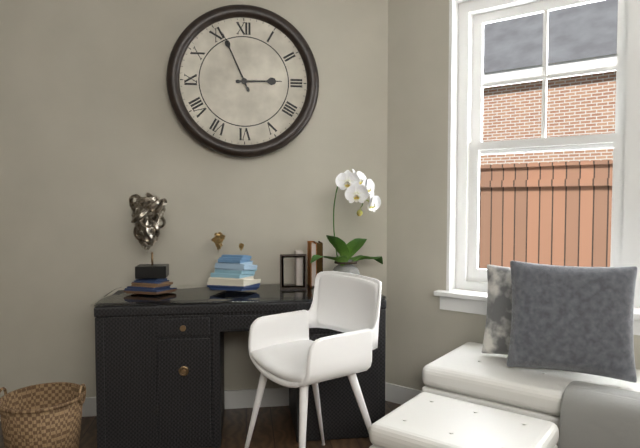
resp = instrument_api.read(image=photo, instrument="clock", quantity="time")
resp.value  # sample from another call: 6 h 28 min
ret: 2 h 56 min
